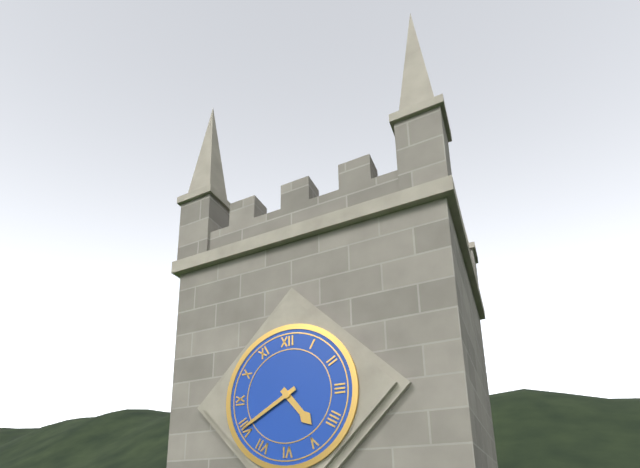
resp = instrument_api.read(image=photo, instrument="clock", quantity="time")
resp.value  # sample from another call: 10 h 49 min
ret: 4 h 40 min
